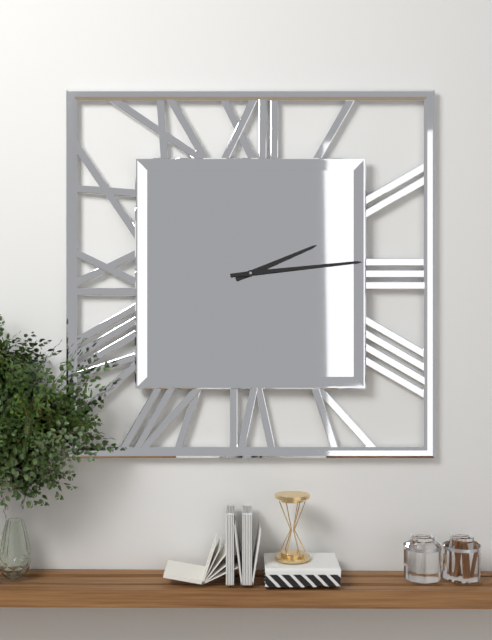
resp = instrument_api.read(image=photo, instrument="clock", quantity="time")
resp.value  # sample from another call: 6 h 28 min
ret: 2 h 14 min
